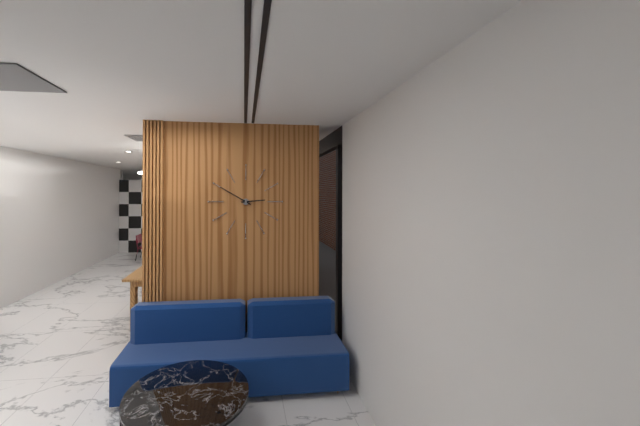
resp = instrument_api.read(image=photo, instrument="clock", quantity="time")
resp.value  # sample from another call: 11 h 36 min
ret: 2 h 50 min
